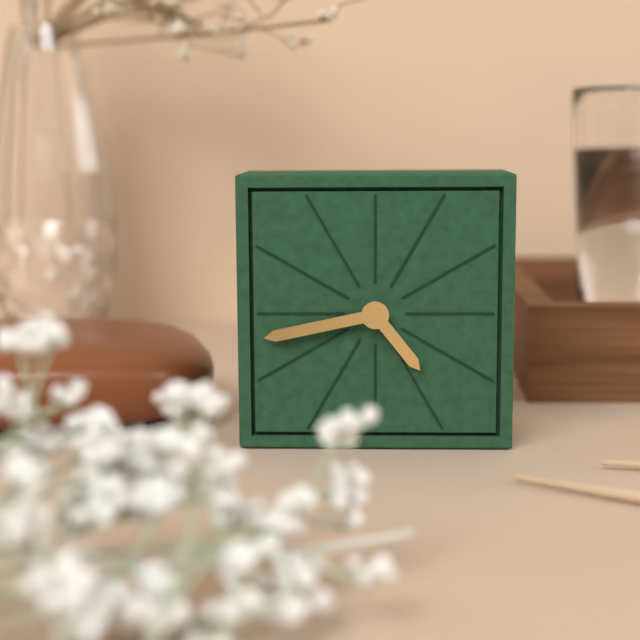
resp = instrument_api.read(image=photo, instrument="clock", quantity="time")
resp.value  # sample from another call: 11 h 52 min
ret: 4 h 43 min
